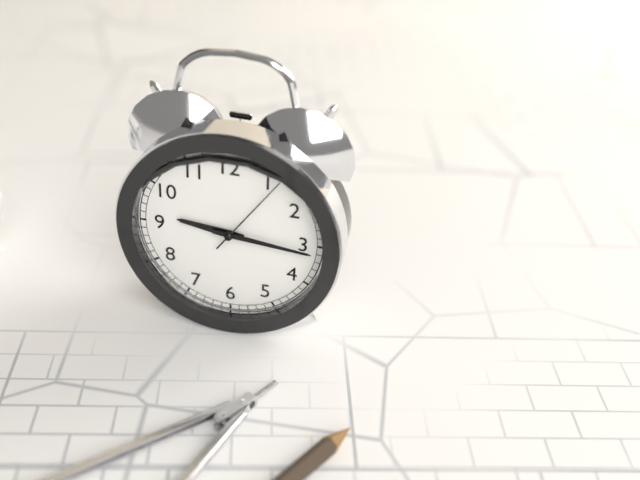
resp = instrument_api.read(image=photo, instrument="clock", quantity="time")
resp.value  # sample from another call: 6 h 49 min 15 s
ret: 9 h 16 min 06 s
